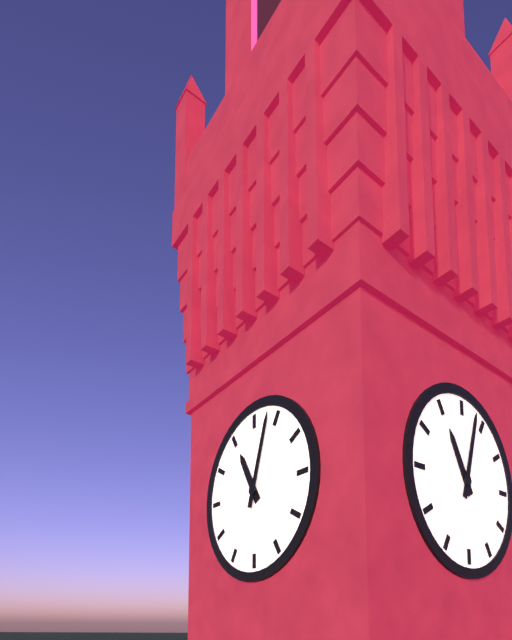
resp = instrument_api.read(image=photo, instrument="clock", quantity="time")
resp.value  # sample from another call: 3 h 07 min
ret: 11 h 03 min
